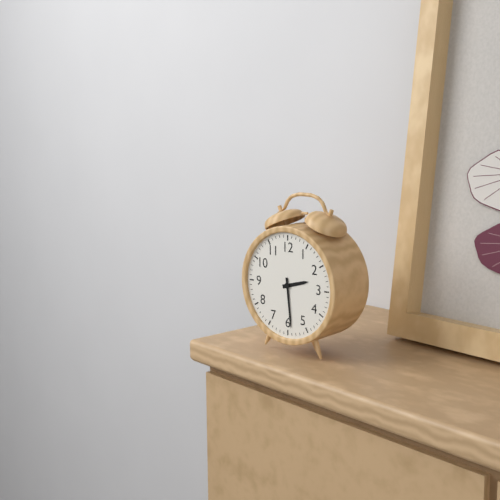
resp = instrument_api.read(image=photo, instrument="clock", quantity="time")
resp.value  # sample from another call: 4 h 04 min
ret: 2 h 29 min
